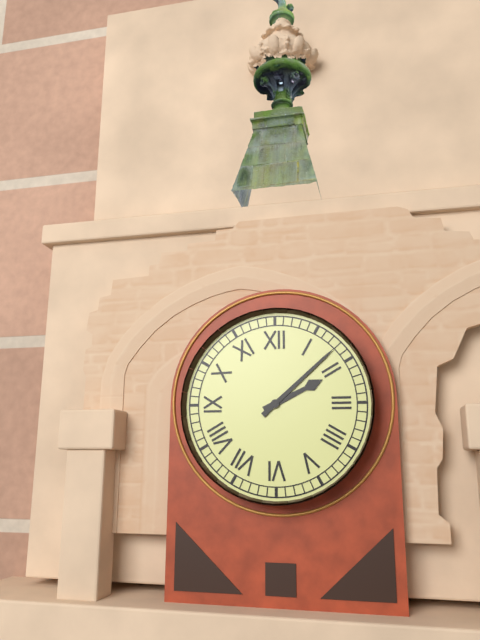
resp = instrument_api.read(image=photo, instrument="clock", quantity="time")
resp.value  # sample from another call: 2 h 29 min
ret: 2 h 08 min
